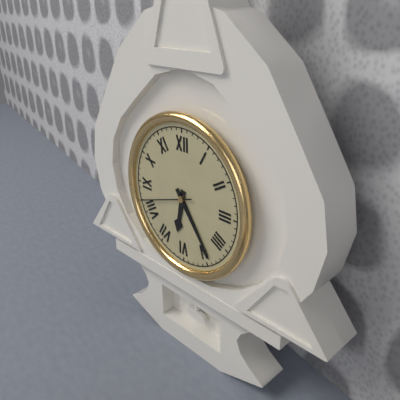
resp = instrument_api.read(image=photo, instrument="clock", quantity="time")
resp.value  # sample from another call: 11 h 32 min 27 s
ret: 6 h 24 min 42 s
